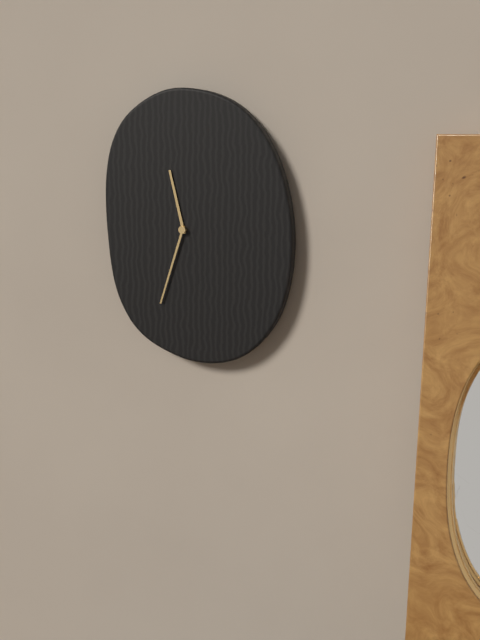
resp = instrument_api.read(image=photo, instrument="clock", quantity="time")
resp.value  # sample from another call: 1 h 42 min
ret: 11 h 33 min
